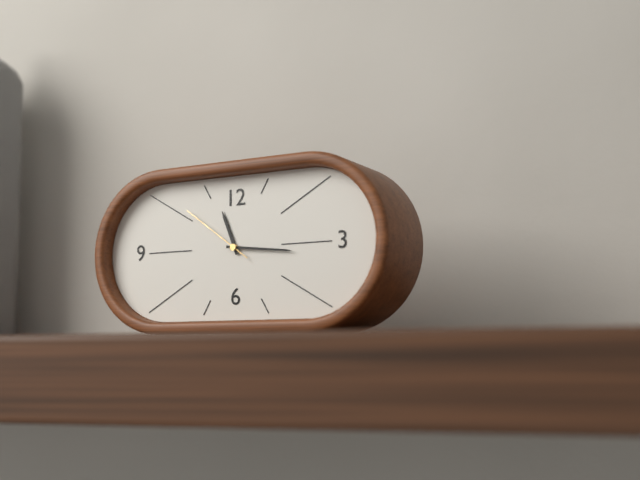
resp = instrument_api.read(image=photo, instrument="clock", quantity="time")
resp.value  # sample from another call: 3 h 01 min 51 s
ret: 11 h 16 min 51 s
